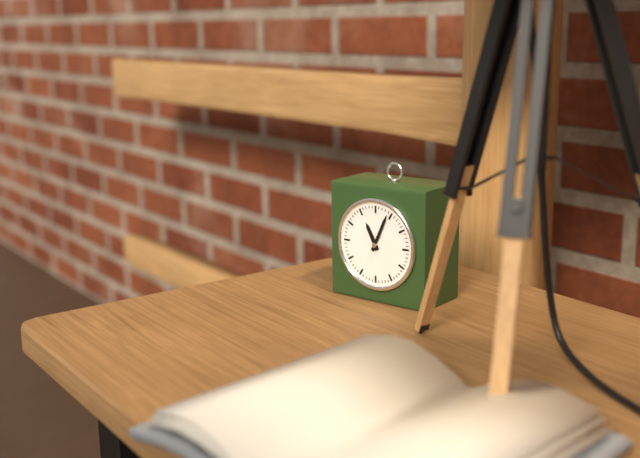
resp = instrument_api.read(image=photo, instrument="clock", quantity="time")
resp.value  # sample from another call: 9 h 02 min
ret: 11 h 04 min
